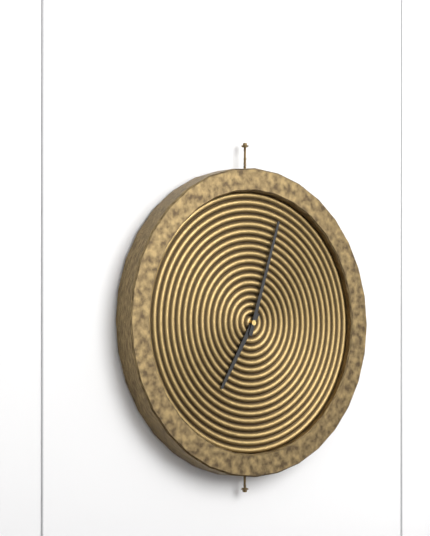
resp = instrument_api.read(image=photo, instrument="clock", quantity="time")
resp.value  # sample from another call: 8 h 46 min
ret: 7 h 03 min
